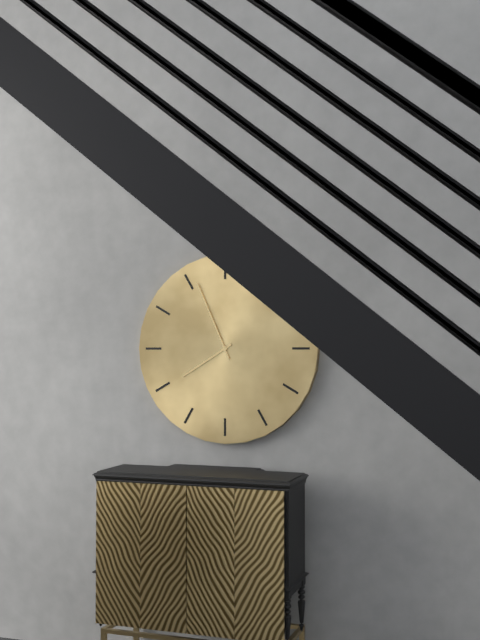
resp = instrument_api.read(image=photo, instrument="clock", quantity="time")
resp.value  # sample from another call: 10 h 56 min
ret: 7 h 56 min
